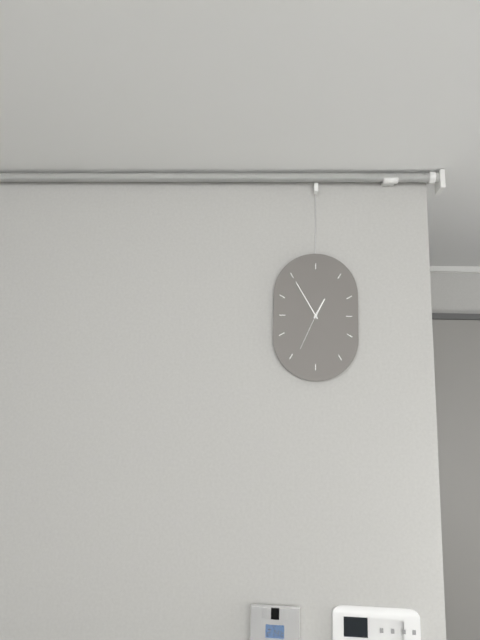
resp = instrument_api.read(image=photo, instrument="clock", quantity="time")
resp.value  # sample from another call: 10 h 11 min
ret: 12 h 55 min
